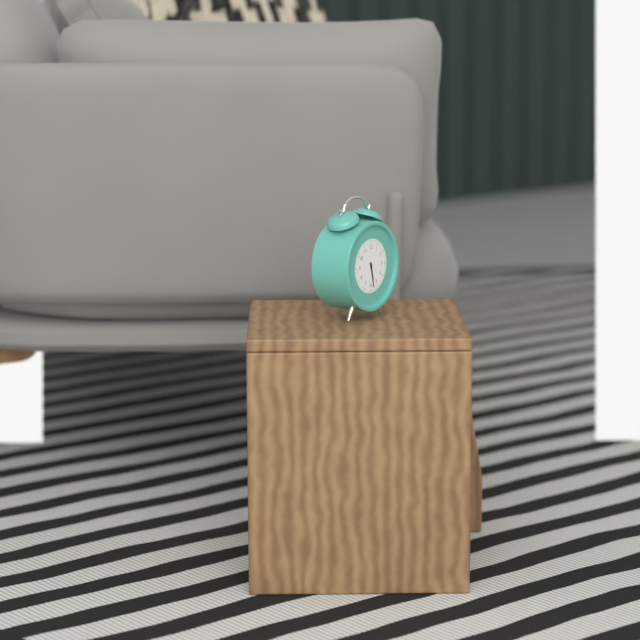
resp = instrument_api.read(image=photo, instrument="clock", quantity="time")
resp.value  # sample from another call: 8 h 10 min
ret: 5 h 28 min
